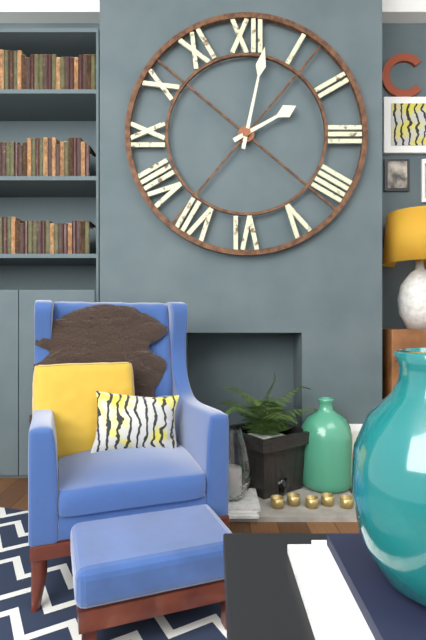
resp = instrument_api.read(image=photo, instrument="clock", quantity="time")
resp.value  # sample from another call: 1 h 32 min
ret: 2 h 02 min
